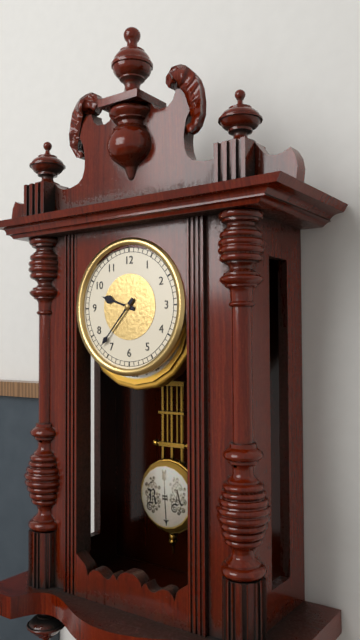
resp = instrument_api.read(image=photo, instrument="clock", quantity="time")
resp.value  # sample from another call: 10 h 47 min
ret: 9 h 37 min
